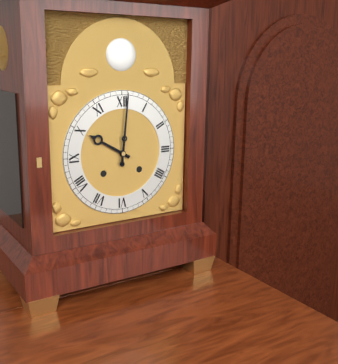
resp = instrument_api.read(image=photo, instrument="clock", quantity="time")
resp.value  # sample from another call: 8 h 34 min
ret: 10 h 01 min
